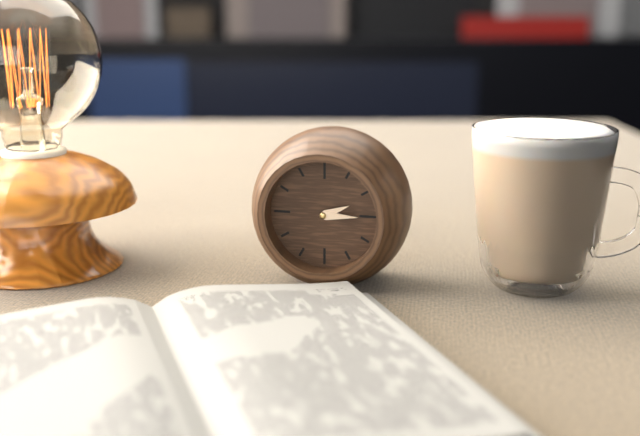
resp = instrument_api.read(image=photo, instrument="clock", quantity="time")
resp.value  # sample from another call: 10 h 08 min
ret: 2 h 15 min
